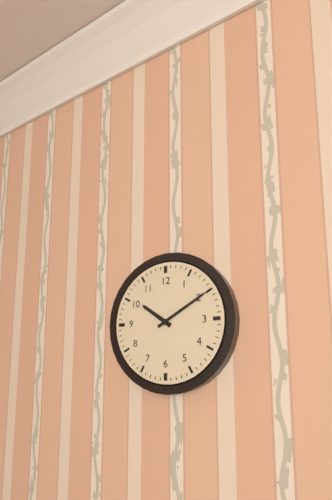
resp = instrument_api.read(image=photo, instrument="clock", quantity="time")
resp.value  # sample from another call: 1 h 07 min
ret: 10 h 10 min
